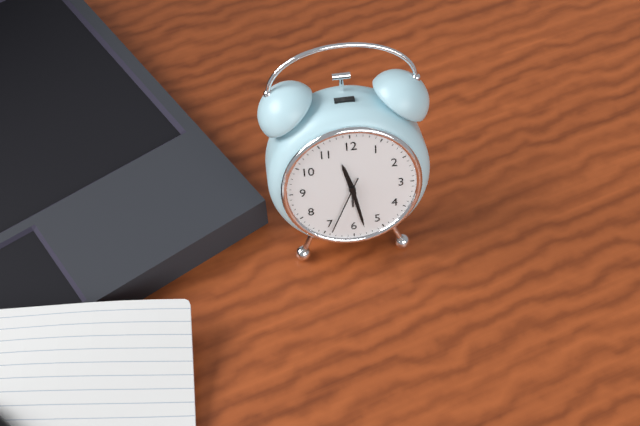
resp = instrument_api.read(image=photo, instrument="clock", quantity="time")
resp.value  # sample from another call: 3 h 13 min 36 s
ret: 11 h 28 min 34 s
